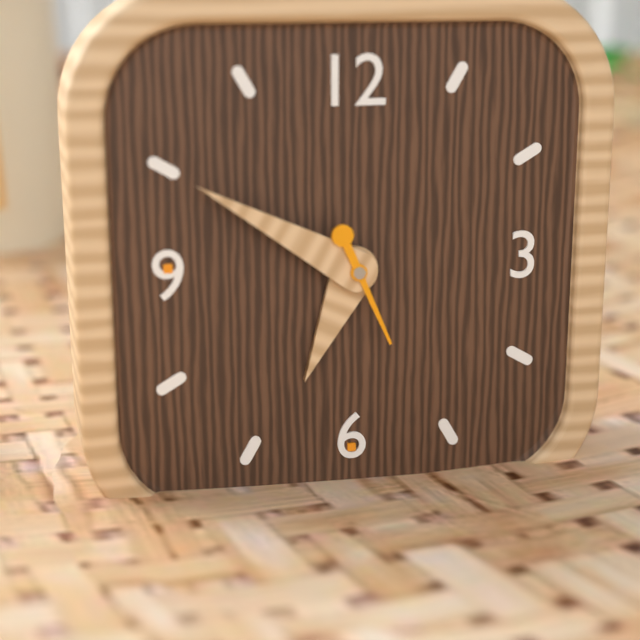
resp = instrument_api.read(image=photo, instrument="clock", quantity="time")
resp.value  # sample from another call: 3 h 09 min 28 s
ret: 6 h 50 min 26 s
